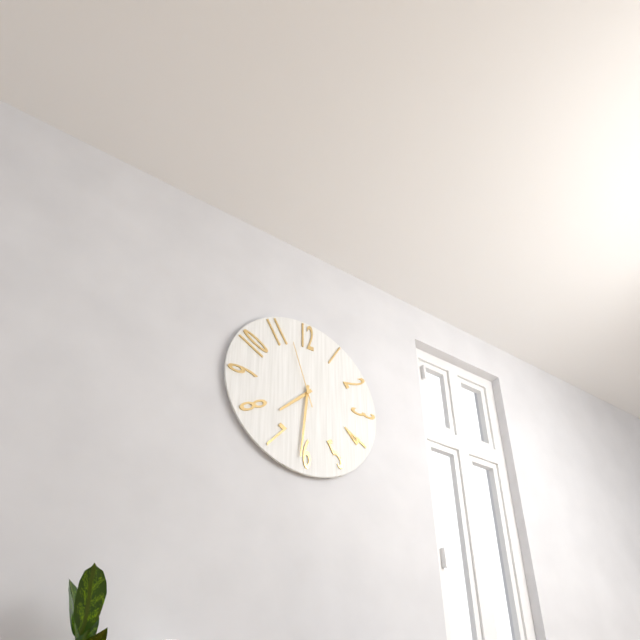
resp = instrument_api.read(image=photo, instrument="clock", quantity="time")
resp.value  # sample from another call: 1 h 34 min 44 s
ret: 7 h 31 min 57 s
